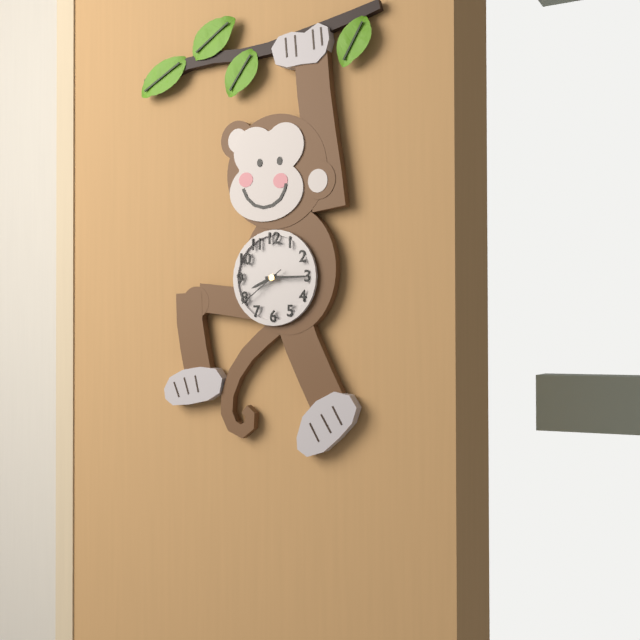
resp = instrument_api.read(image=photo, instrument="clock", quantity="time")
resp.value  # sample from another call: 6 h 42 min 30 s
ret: 8 h 15 min 39 s
